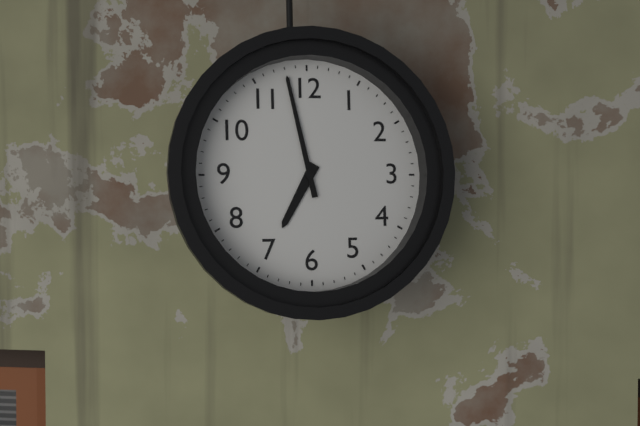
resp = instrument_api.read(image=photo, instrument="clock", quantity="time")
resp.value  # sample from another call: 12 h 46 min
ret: 6 h 58 min
